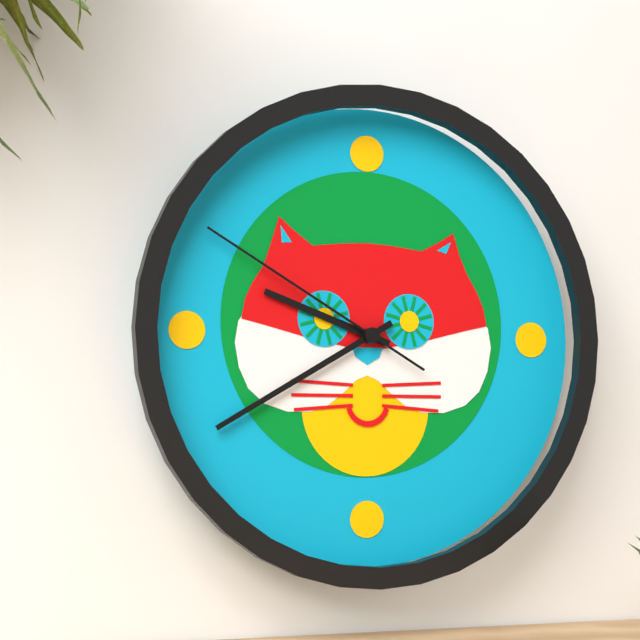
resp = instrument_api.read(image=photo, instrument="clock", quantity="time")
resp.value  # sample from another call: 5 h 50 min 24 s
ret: 9 h 40 min 50 s
